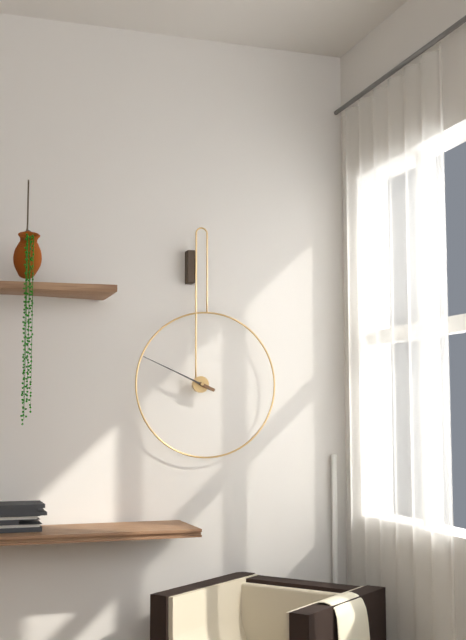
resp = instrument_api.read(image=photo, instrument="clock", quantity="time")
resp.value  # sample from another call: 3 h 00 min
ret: 9 h 49 min
